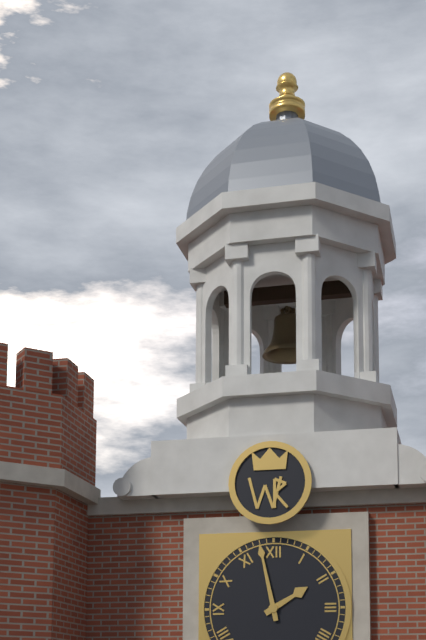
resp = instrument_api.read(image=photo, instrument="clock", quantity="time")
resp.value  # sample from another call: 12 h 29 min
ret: 1 h 58 min
